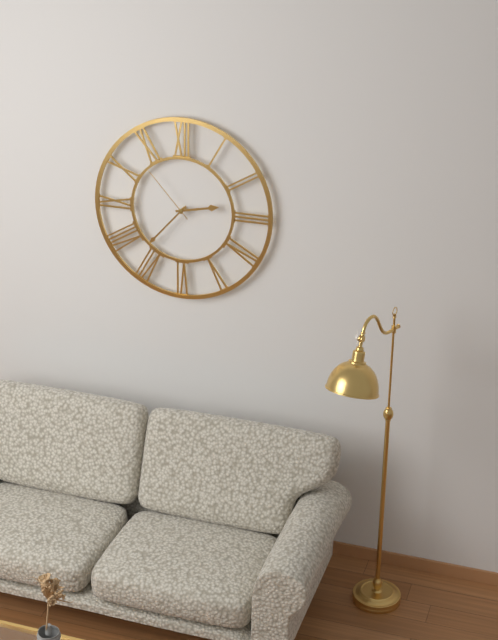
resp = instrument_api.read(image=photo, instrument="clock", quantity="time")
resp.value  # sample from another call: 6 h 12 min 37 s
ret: 2 h 37 min 53 s
